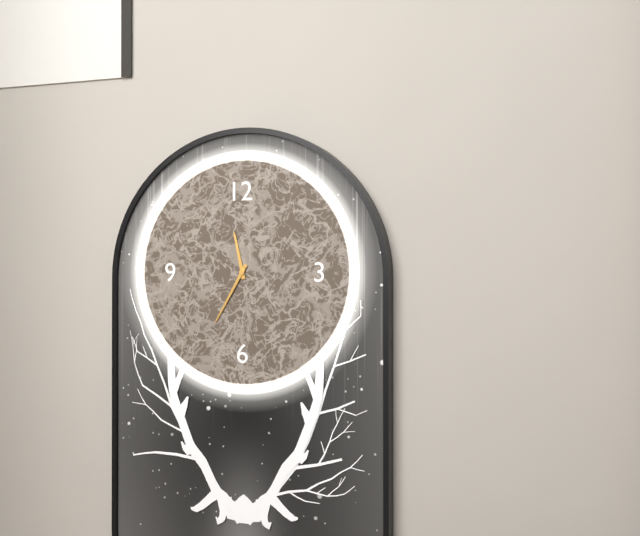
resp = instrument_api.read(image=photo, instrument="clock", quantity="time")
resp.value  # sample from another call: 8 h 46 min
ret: 11 h 35 min
